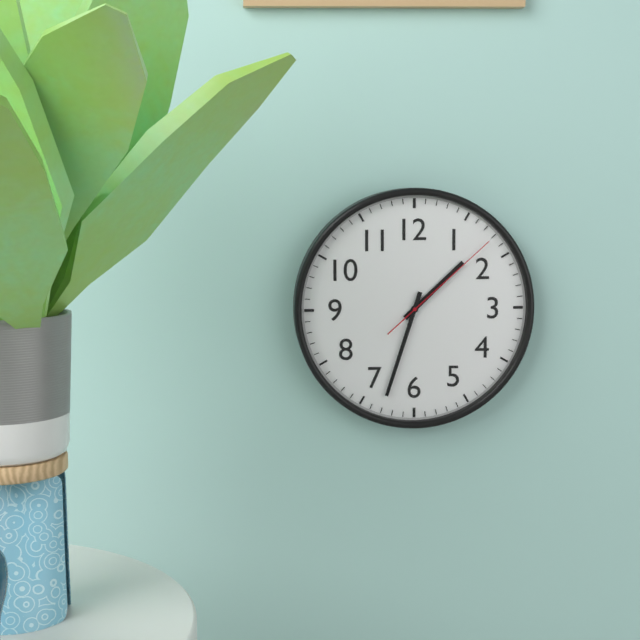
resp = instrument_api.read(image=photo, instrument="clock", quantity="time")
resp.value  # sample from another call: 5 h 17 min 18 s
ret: 1 h 33 min 08 s
